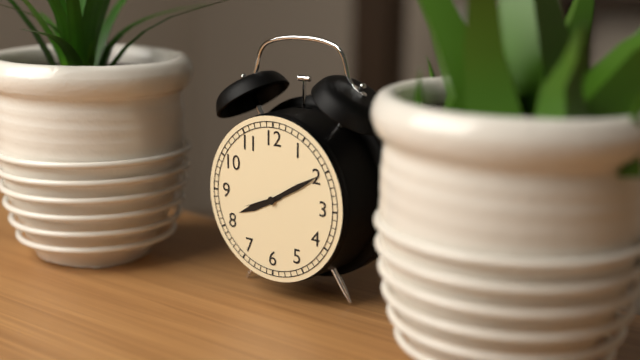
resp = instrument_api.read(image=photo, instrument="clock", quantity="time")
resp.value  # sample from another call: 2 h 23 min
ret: 8 h 10 min
